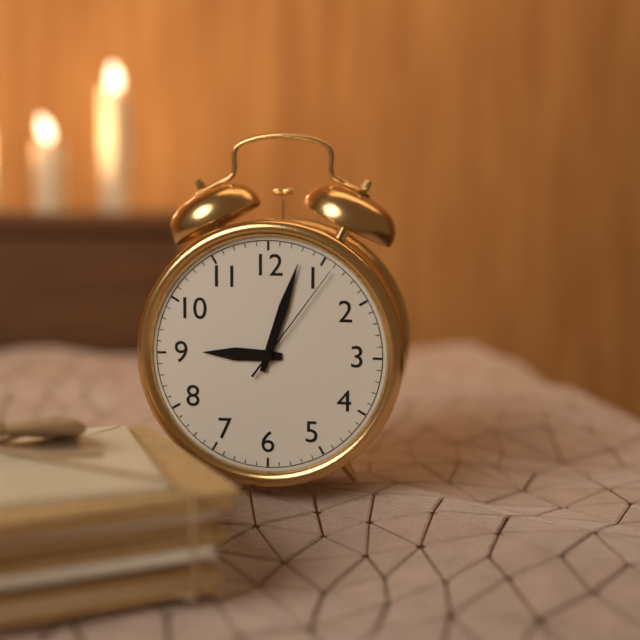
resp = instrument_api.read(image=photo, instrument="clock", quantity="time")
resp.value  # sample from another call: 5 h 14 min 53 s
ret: 9 h 03 min 06 s
